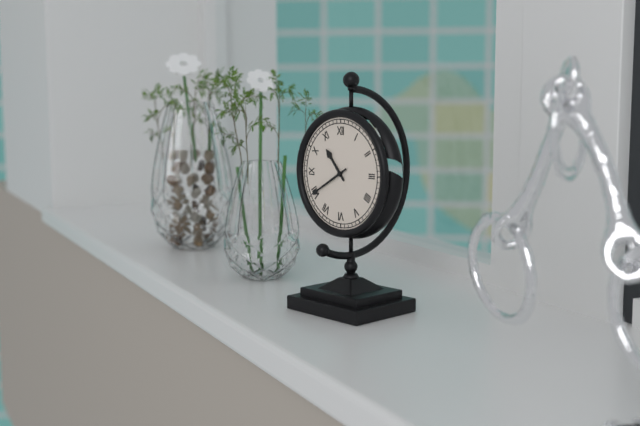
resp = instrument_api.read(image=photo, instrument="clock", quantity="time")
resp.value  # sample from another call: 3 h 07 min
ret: 10 h 40 min
